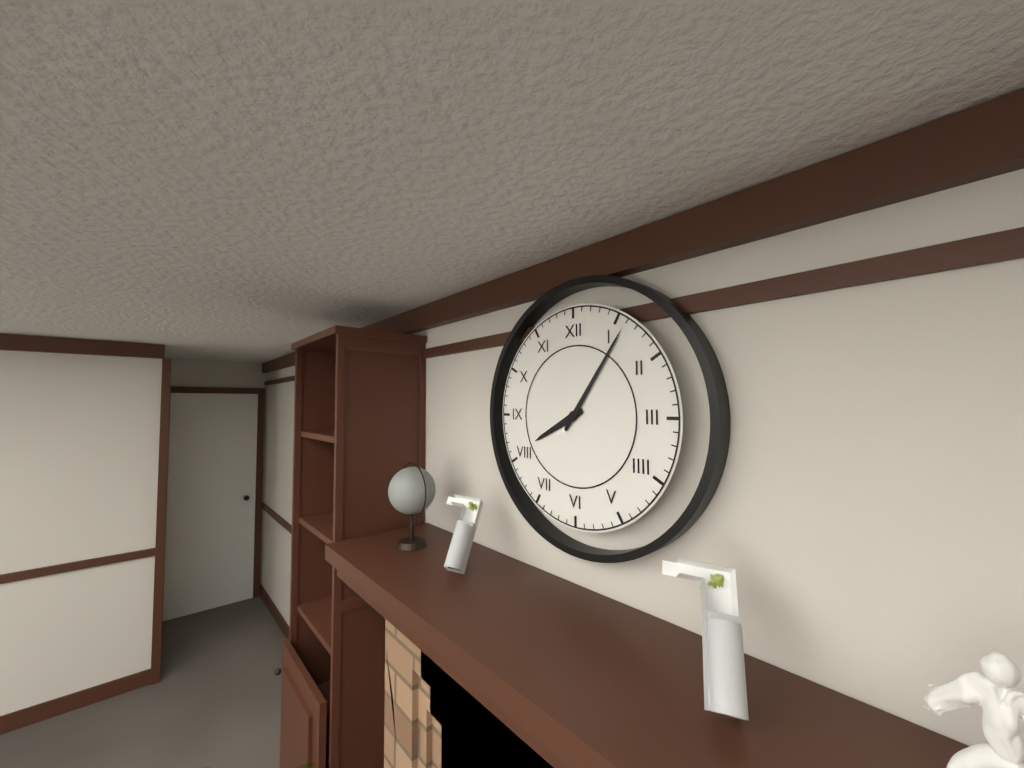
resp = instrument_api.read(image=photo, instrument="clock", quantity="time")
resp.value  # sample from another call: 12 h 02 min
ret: 8 h 06 min
